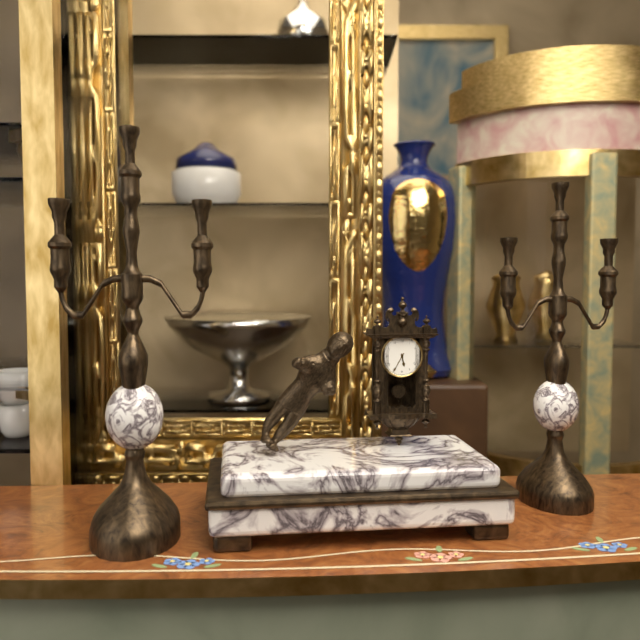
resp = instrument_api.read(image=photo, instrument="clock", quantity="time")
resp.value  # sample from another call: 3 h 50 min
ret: 5 h 35 min
